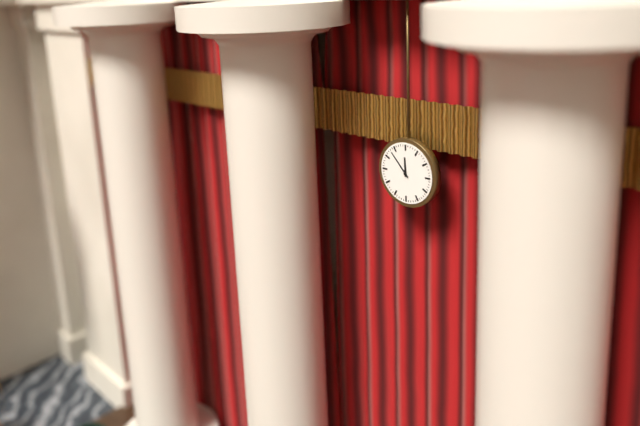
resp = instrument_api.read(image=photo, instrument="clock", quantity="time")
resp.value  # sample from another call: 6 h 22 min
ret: 11 h 53 min
